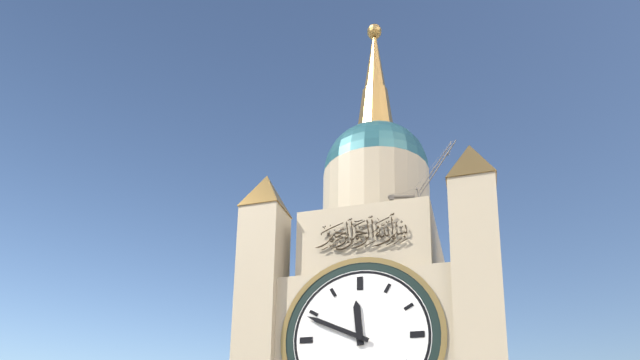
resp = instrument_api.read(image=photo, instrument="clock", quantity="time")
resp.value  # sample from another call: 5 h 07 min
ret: 11 h 49 min
